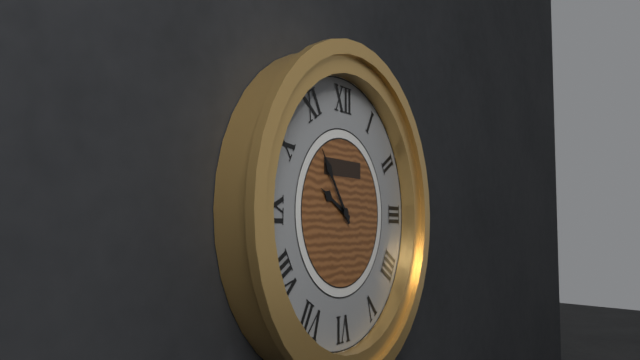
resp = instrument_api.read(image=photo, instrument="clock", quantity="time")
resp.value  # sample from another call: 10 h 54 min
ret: 9 h 54 min
